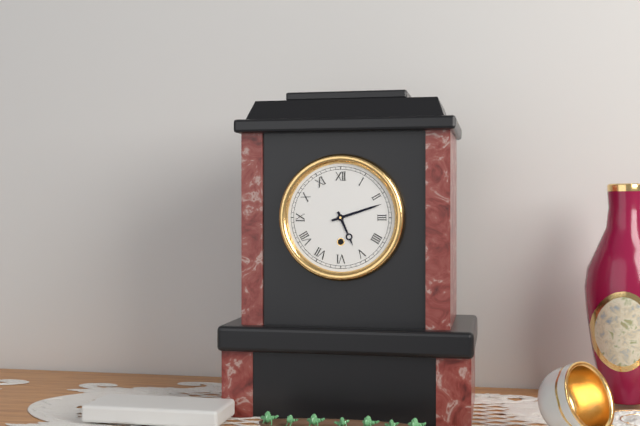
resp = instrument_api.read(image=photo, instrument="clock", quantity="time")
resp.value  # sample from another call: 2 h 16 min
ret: 5 h 12 min
